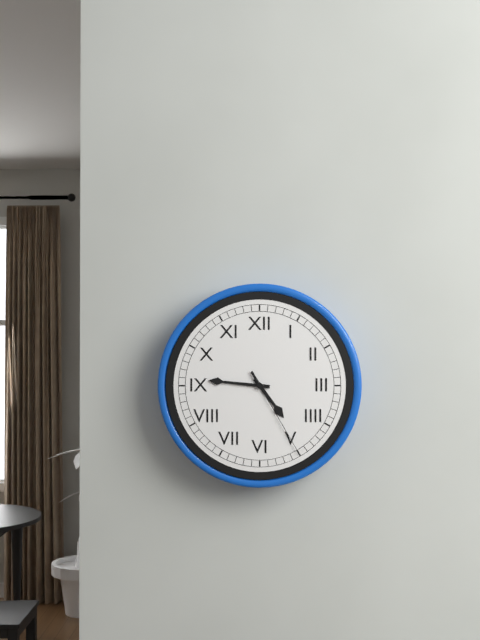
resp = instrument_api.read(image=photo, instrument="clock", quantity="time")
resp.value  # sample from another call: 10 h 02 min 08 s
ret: 4 h 46 min 25 s
